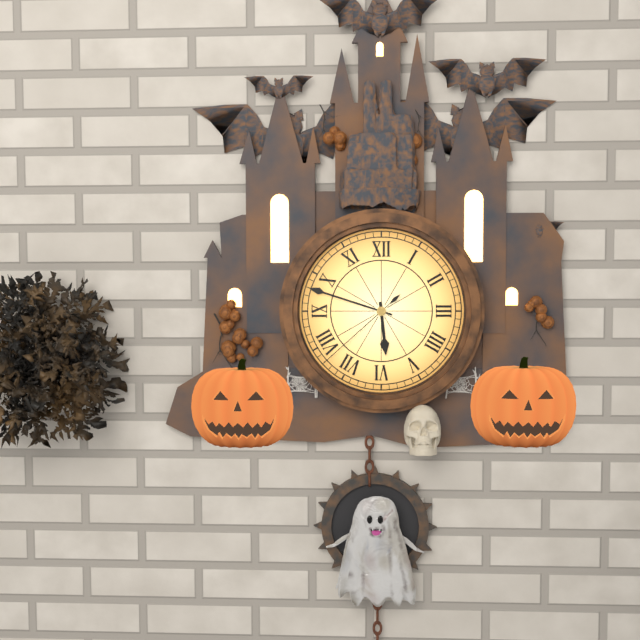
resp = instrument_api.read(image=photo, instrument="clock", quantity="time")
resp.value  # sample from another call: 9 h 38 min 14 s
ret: 5 h 48 min 38 s
